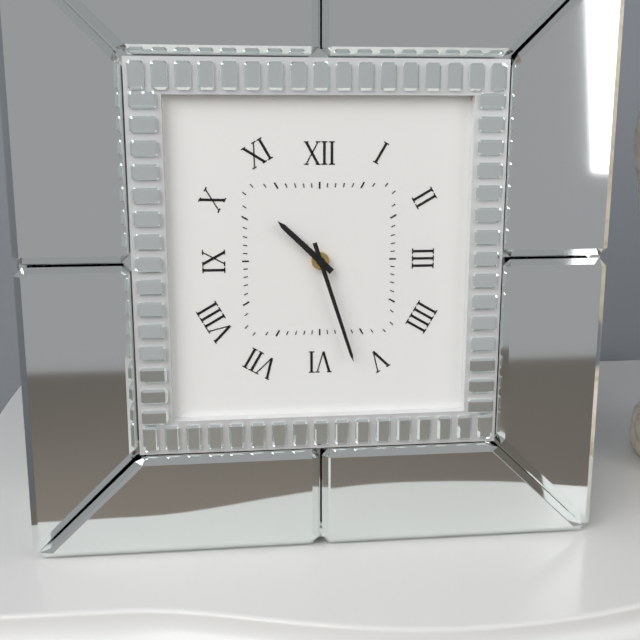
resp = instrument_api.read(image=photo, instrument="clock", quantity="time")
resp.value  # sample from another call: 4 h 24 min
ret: 10 h 27 min
